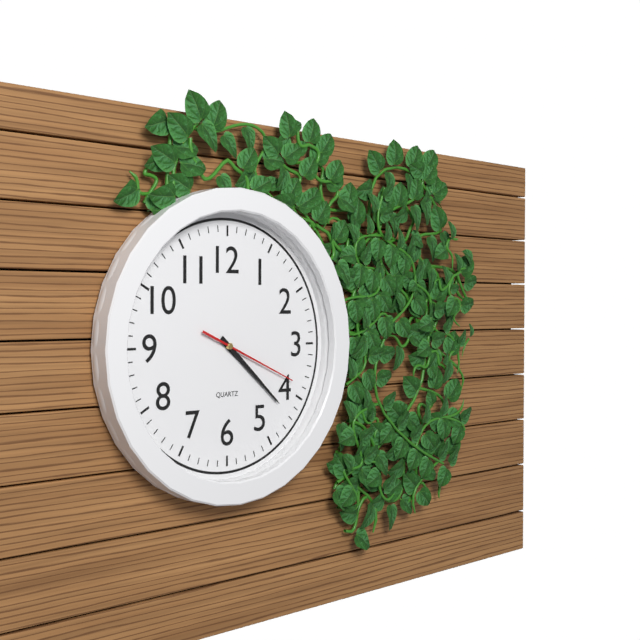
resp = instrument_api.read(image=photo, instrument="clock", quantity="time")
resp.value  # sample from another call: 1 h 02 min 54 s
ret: 4 h 22 min 19 s
